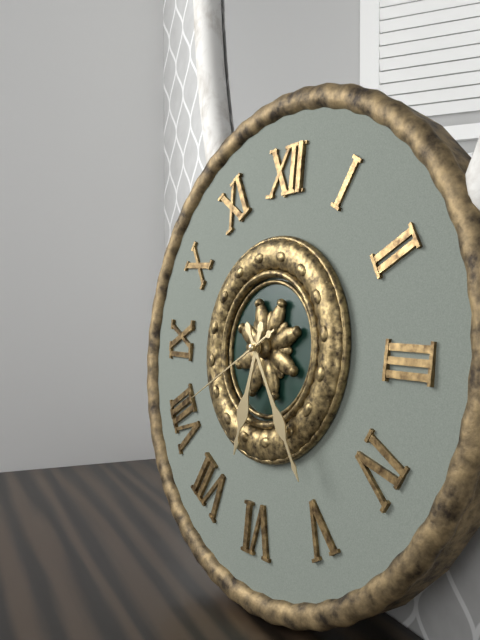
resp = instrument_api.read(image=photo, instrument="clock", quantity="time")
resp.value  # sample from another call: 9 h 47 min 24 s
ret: 6 h 24 min 40 s
